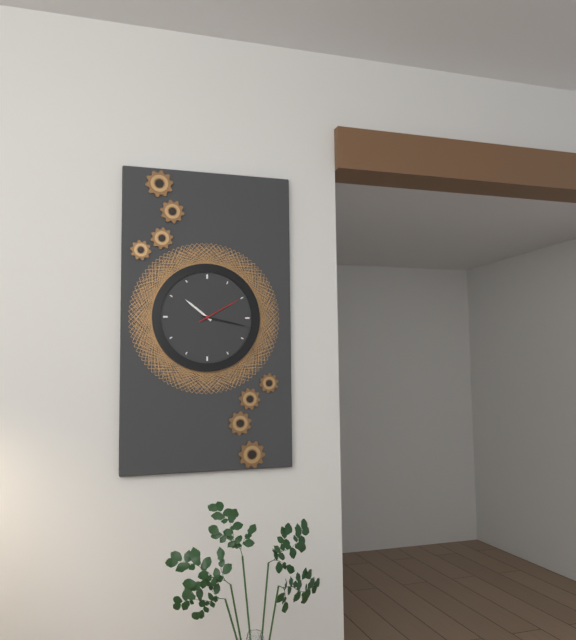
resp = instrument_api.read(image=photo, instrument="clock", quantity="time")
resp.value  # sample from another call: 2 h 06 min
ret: 10 h 17 min
